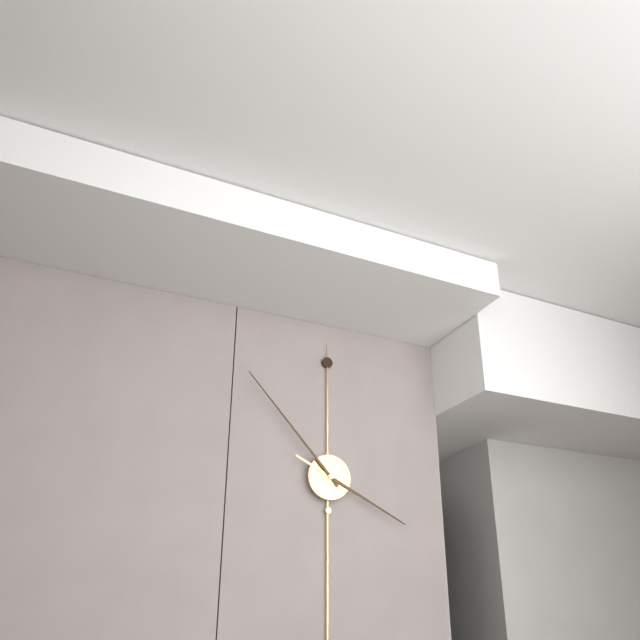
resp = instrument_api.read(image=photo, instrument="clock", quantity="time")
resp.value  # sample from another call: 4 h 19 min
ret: 3 h 53 min
